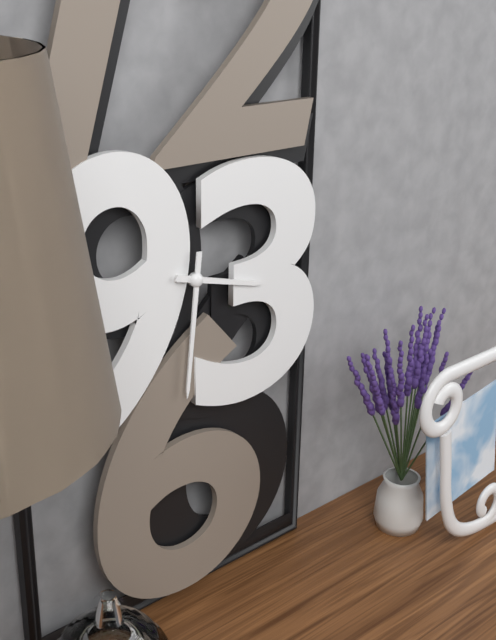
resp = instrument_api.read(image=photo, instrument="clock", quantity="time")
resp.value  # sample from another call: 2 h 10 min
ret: 3 h 31 min
